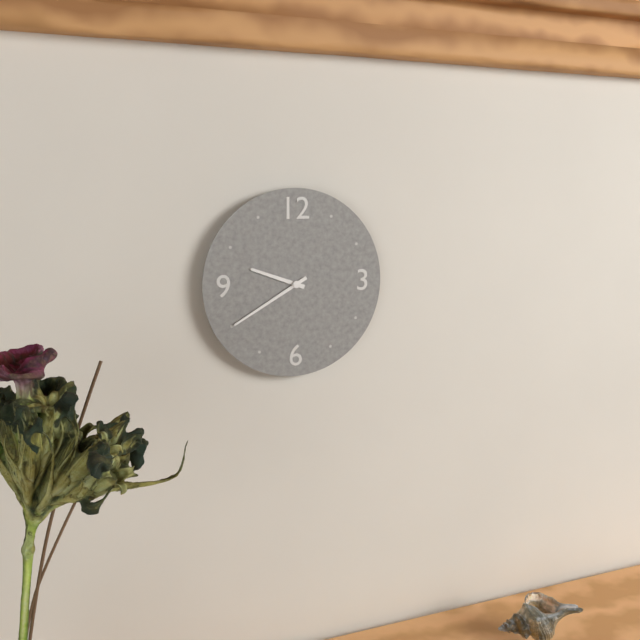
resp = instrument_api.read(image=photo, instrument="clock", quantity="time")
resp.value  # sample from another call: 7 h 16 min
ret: 9 h 40 min
